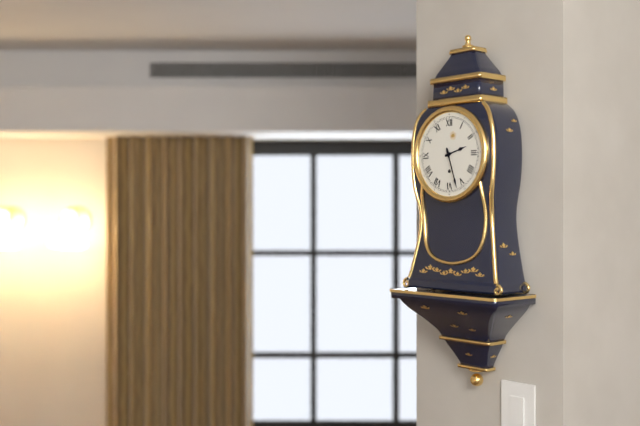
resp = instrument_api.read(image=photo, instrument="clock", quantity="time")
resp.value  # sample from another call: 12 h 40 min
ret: 2 h 27 min
